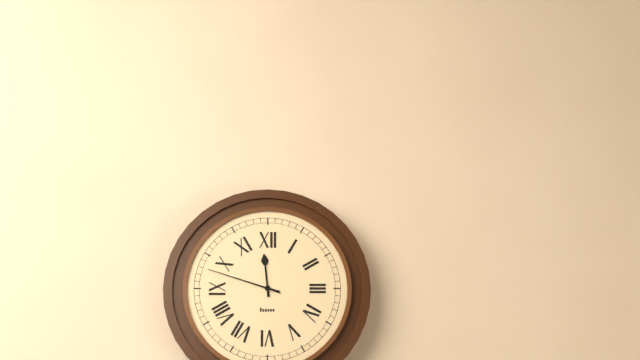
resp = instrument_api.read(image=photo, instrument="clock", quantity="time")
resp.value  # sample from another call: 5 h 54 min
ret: 11 h 48 min
